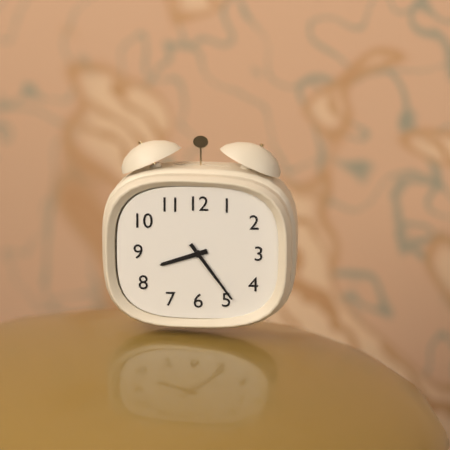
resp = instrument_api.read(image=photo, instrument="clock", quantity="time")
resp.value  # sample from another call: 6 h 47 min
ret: 8 h 24 min
